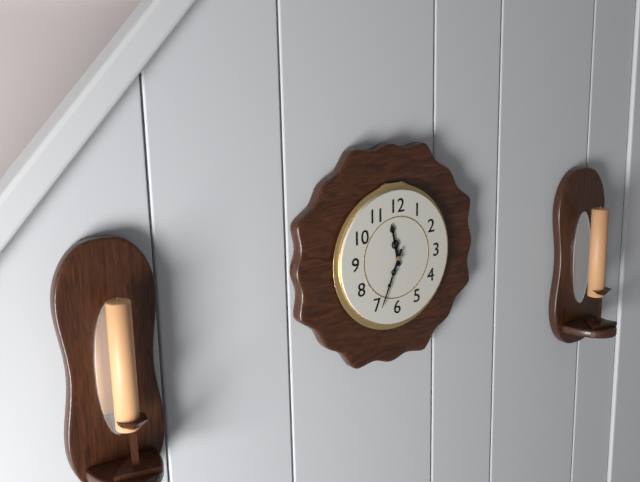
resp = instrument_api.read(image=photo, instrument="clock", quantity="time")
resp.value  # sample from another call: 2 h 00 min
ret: 11 h 34 min
